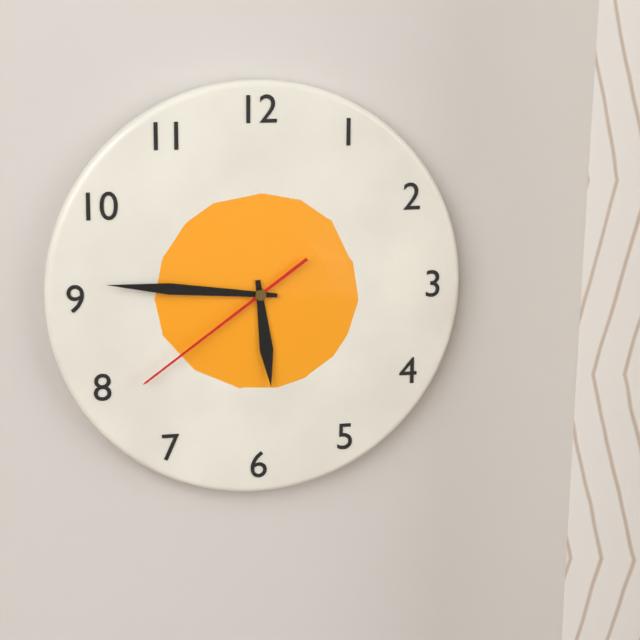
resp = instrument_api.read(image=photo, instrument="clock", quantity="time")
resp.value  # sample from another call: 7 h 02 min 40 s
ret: 5 h 46 min 39 s
